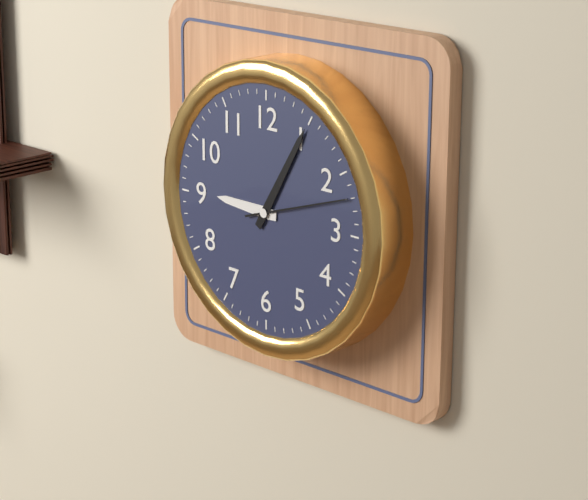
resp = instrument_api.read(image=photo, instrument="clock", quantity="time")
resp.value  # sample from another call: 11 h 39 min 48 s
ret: 9 h 05 min 12 s
